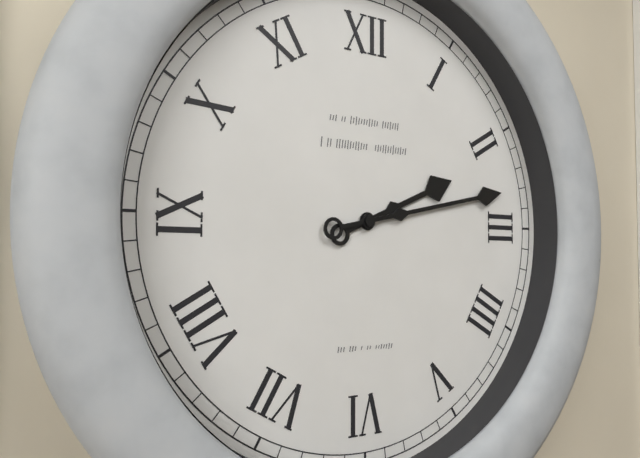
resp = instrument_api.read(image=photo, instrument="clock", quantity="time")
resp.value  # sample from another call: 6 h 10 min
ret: 2 h 13 min
